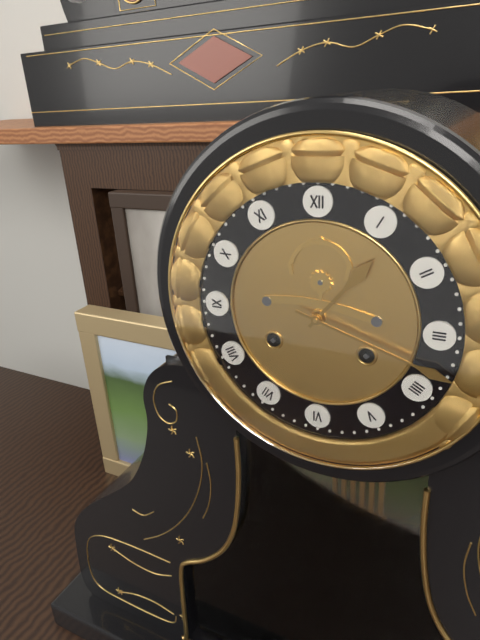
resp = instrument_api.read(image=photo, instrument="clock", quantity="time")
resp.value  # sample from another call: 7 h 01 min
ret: 1 h 18 min
